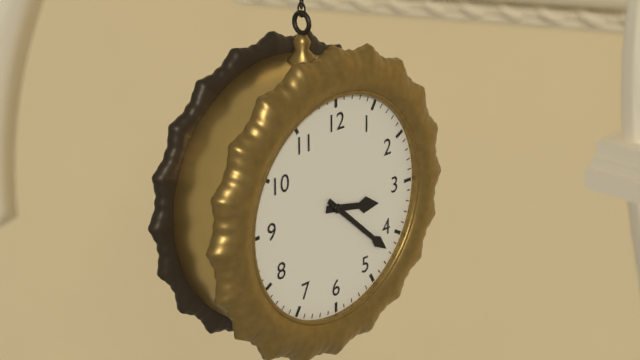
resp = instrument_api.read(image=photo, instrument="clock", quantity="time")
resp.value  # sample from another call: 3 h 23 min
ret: 3 h 22 min
